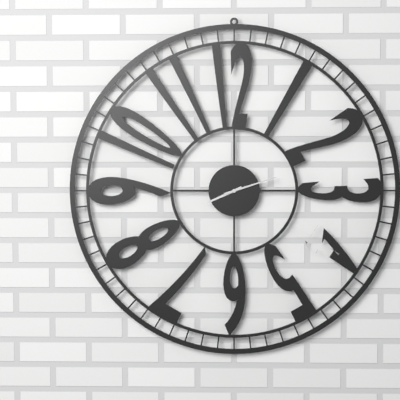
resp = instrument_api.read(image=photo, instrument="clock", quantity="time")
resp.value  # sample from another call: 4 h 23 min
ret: 8 h 12 min
